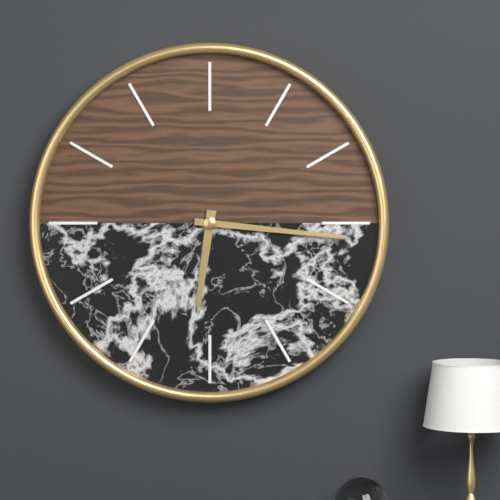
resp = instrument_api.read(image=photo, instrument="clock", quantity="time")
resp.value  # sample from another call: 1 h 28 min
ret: 6 h 16 min
